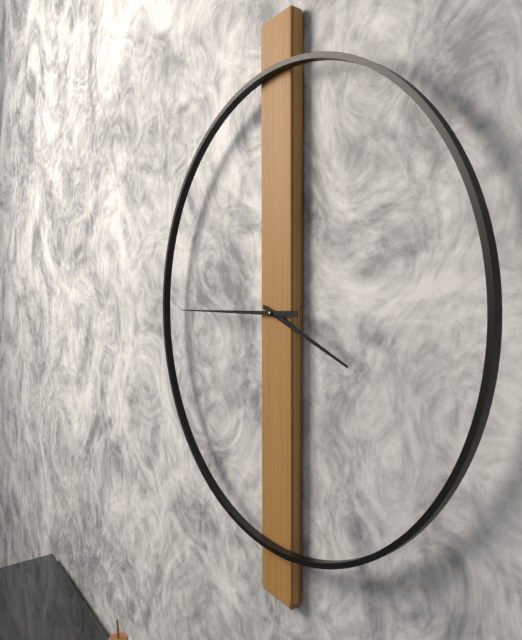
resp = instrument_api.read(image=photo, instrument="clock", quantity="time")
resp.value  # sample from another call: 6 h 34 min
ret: 3 h 45 min
